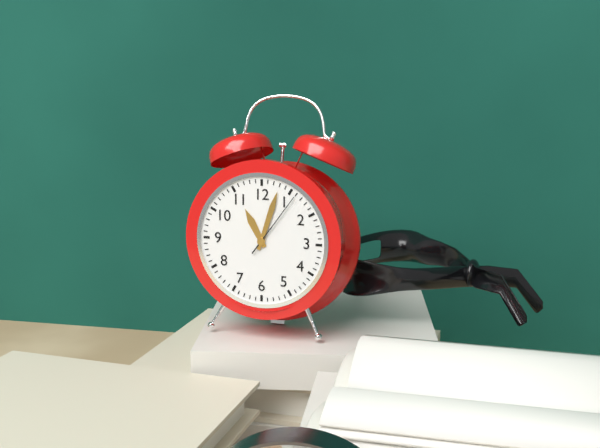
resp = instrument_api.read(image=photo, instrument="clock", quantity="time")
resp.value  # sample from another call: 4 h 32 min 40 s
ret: 11 h 03 min 06 s
